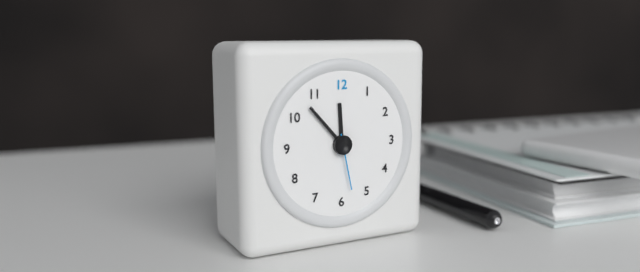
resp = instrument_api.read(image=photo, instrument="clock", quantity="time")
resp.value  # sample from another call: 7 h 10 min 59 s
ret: 11 h 53 min 28 s
